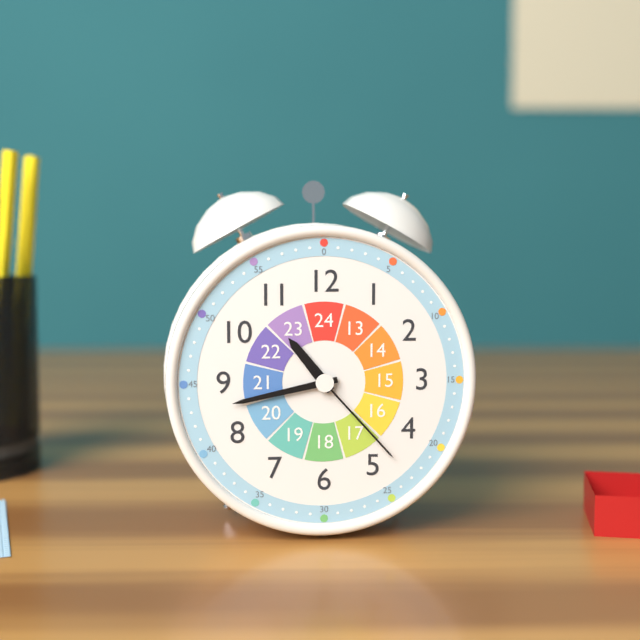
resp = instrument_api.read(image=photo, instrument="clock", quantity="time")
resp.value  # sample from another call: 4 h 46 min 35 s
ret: 10 h 43 min 23 s
